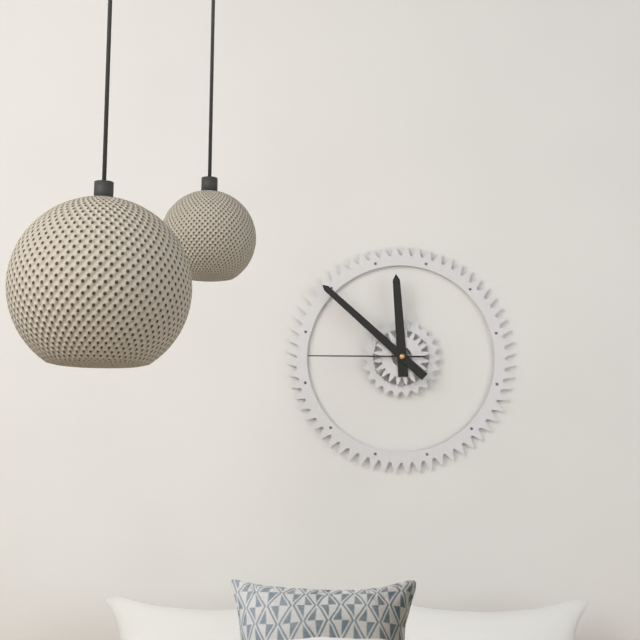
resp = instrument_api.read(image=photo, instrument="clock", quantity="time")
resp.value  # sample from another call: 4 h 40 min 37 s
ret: 11 h 52 min 45 s
